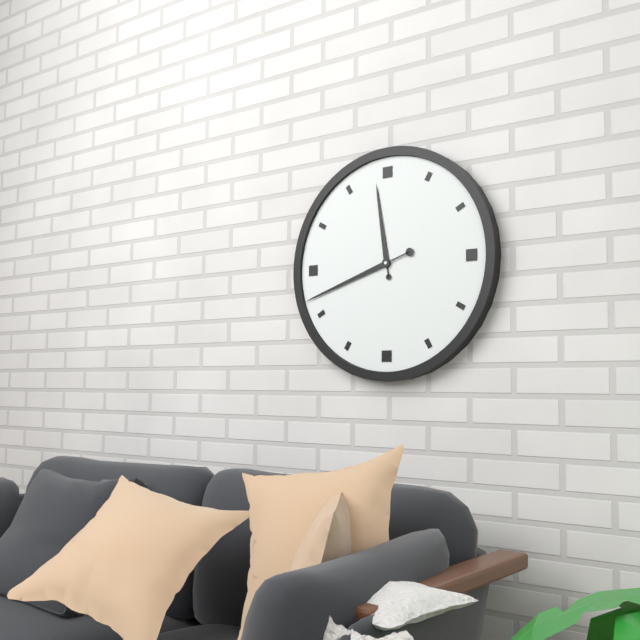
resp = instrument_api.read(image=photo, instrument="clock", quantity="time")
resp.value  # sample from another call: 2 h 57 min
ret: 11 h 42 min
